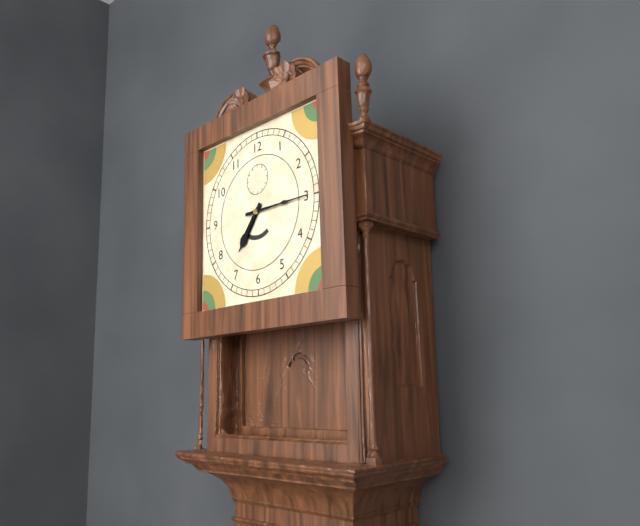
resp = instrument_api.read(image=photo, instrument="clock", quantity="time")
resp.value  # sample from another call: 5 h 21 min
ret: 7 h 15 min
